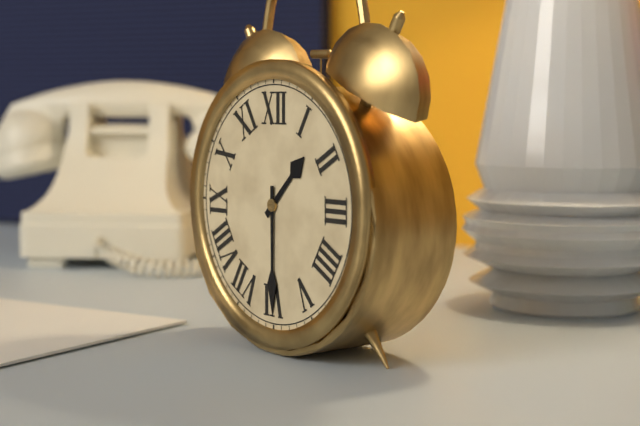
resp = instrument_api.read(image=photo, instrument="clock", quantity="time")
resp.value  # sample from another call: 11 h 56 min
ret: 1 h 30 min
